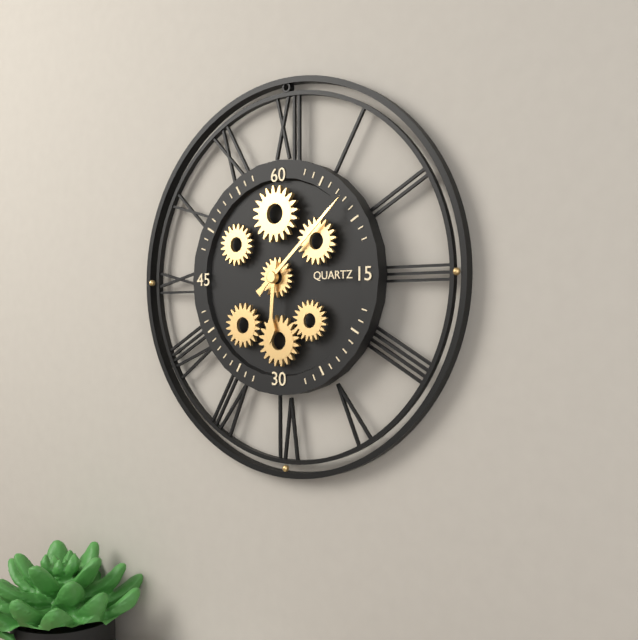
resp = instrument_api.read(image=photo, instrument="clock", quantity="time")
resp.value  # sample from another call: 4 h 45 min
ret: 6 h 08 min
